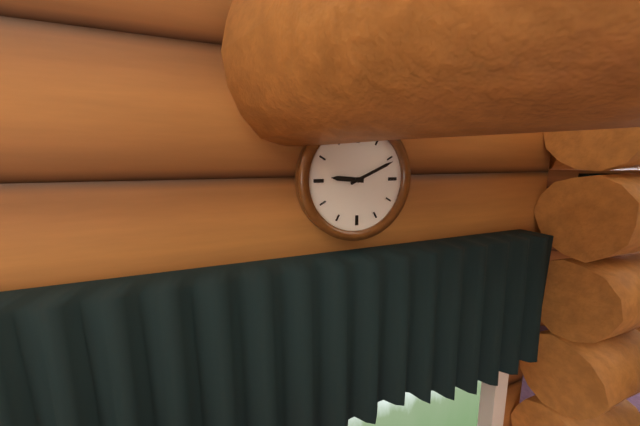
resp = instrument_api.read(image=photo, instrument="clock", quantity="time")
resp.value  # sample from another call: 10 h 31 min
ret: 9 h 11 min
